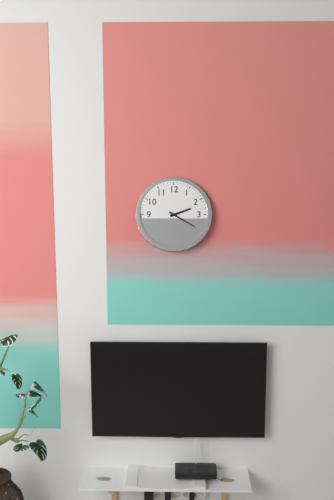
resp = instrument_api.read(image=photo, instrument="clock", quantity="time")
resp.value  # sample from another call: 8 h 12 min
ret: 2 h 20 min
